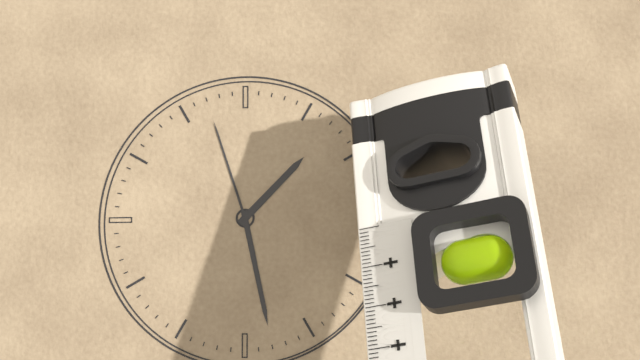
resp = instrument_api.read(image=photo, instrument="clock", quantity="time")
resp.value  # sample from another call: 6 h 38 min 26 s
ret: 1 h 28 min 57 s
